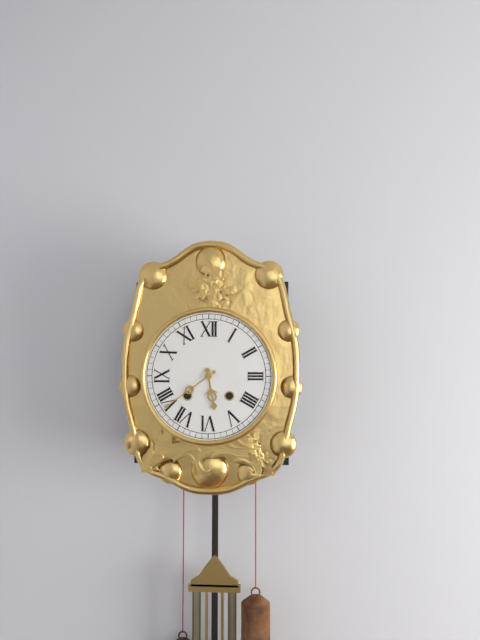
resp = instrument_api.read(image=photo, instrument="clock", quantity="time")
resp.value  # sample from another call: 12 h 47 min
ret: 5 h 39 min
